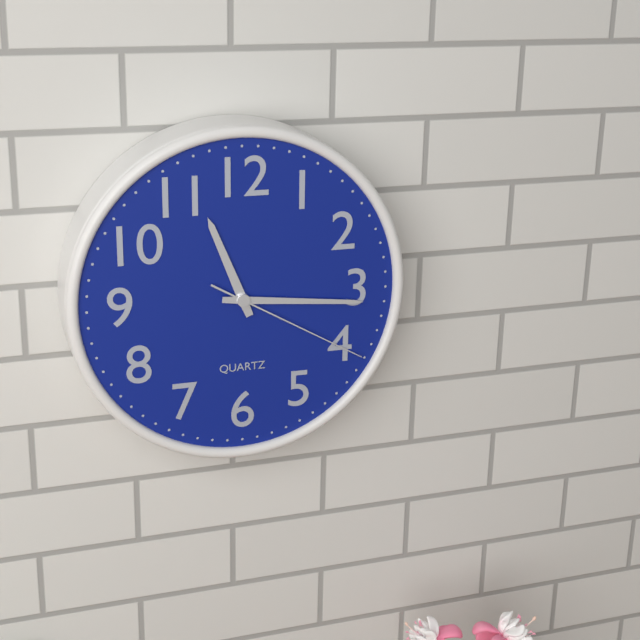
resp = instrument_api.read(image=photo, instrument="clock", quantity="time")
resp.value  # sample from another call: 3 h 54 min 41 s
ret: 11 h 16 min 20 s
